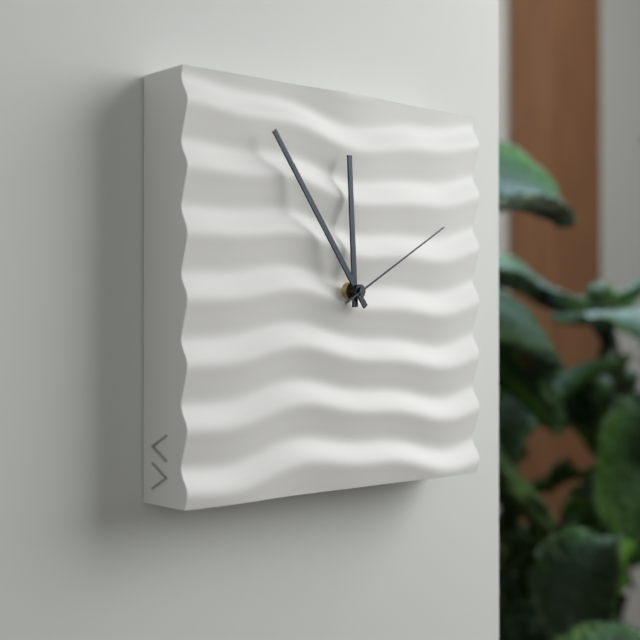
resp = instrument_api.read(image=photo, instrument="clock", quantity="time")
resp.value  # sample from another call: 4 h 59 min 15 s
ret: 11 h 54 min 10 s
